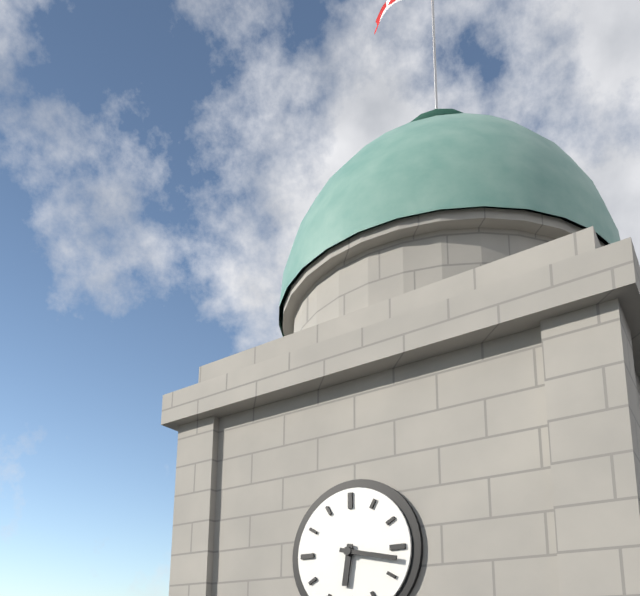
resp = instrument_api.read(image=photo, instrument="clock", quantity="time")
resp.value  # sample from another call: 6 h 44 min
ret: 6 h 17 min
